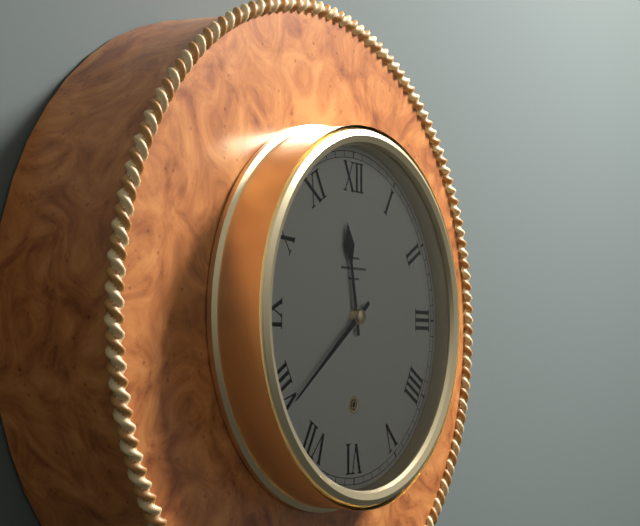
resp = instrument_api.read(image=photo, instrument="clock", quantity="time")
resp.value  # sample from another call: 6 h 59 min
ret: 11 h 39 min
